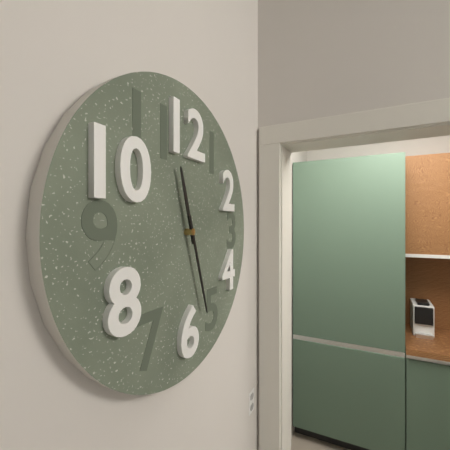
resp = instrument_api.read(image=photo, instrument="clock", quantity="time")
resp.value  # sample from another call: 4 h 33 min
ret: 11 h 27 min
